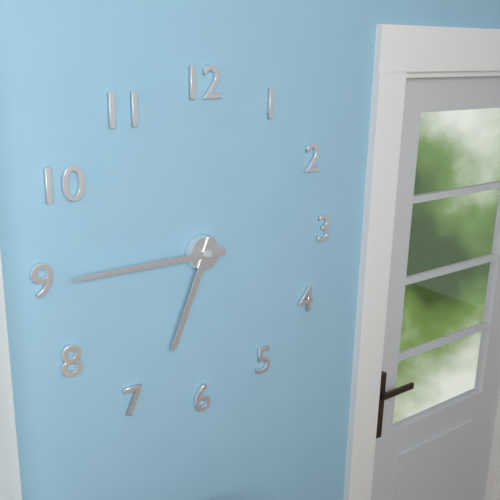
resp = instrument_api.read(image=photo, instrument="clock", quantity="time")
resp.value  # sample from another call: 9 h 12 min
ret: 6 h 45 min
